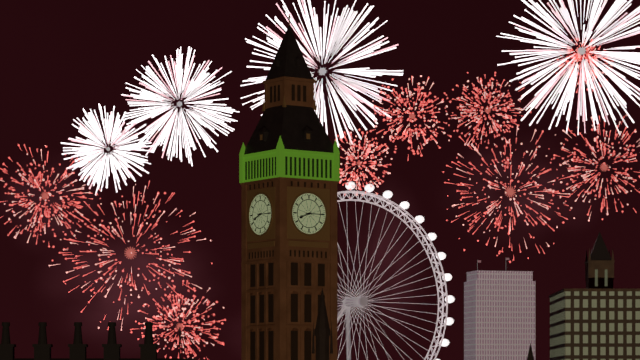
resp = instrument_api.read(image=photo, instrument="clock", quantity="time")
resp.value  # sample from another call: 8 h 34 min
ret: 8 h 15 min
